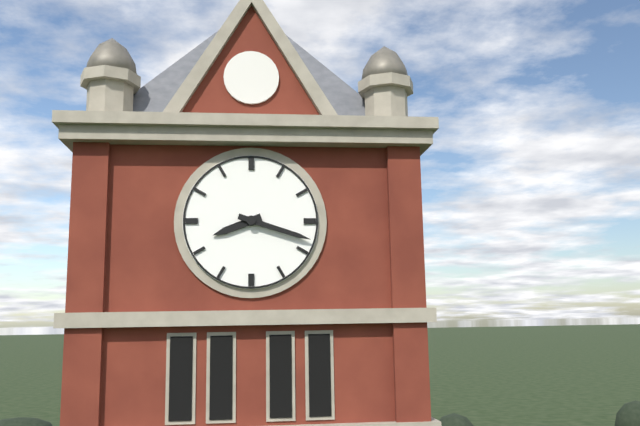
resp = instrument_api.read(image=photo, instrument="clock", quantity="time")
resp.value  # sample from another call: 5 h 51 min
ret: 8 h 18 min
